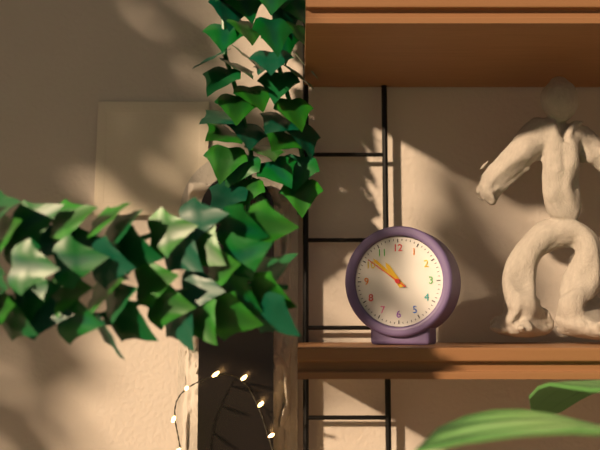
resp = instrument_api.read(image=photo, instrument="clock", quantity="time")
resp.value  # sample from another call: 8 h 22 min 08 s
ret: 10 h 52 min 51 s
